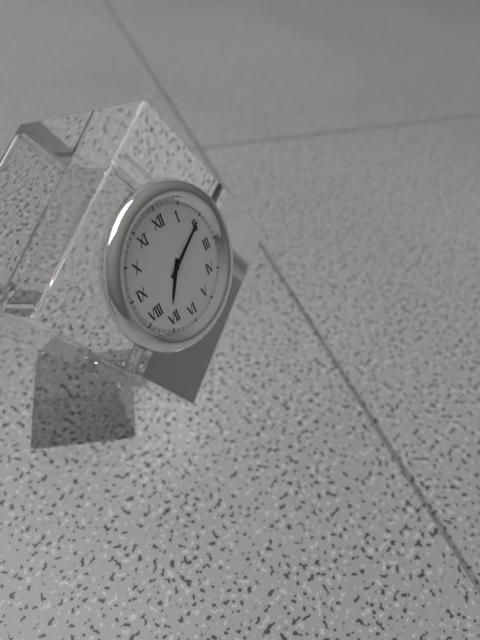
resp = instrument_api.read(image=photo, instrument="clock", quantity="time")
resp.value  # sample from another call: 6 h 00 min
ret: 7 h 10 min
